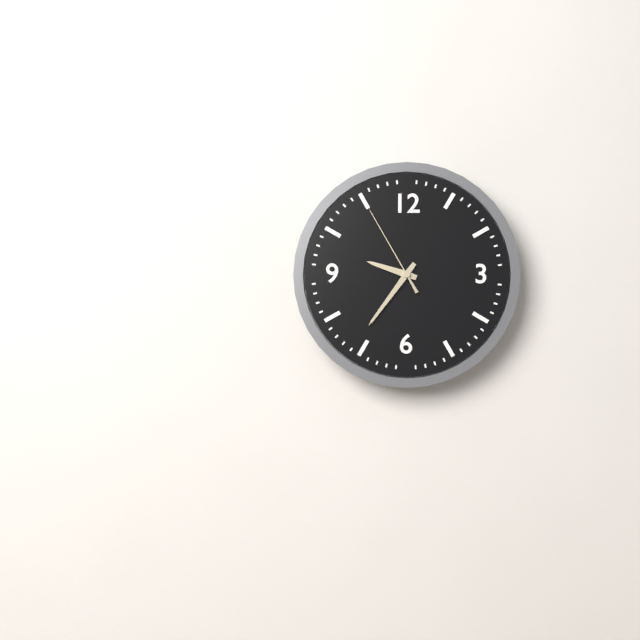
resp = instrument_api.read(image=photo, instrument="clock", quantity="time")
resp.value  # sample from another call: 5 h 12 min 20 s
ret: 9 h 36 min 55 s
